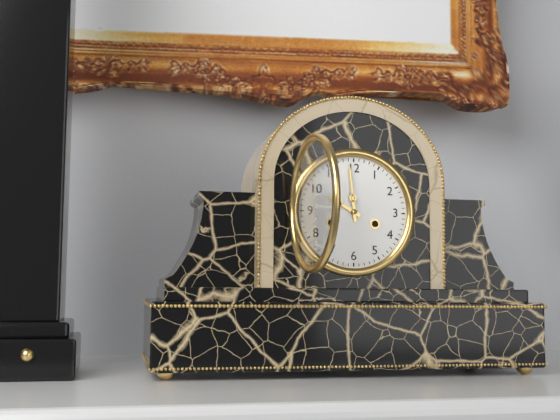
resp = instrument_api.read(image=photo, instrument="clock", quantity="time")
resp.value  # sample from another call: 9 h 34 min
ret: 9 h 59 min
